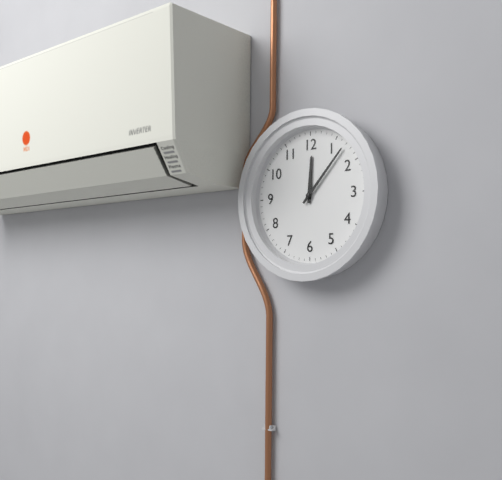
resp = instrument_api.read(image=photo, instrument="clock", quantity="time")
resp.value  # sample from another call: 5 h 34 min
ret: 12 h 07 min
